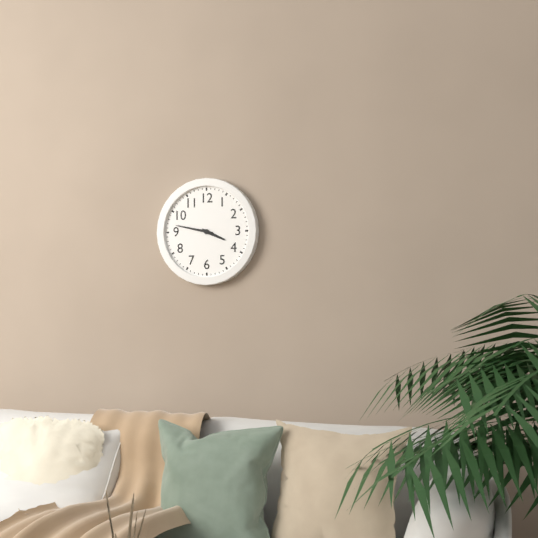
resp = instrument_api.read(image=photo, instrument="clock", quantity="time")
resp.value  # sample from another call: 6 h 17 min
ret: 3 h 47 min
